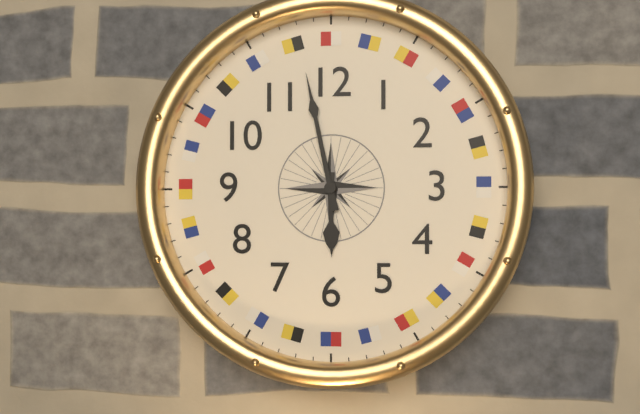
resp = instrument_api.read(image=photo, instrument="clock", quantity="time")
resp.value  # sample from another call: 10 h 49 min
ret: 5 h 58 min
